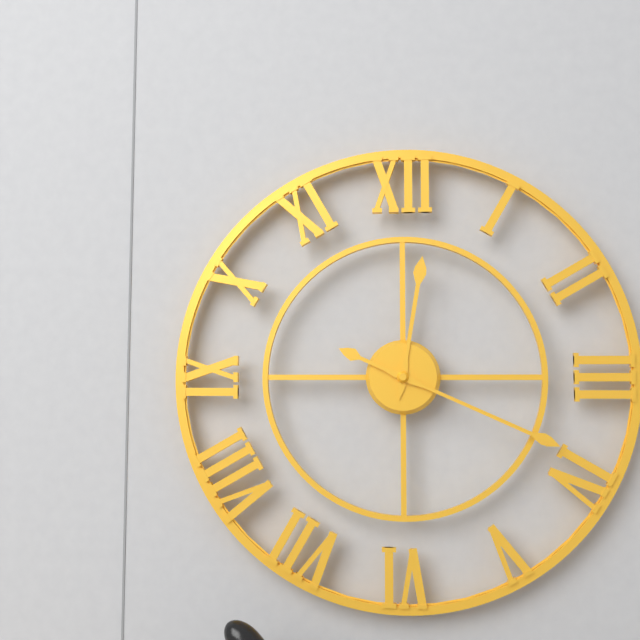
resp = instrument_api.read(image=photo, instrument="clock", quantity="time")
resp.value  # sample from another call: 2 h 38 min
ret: 12 h 19 min
